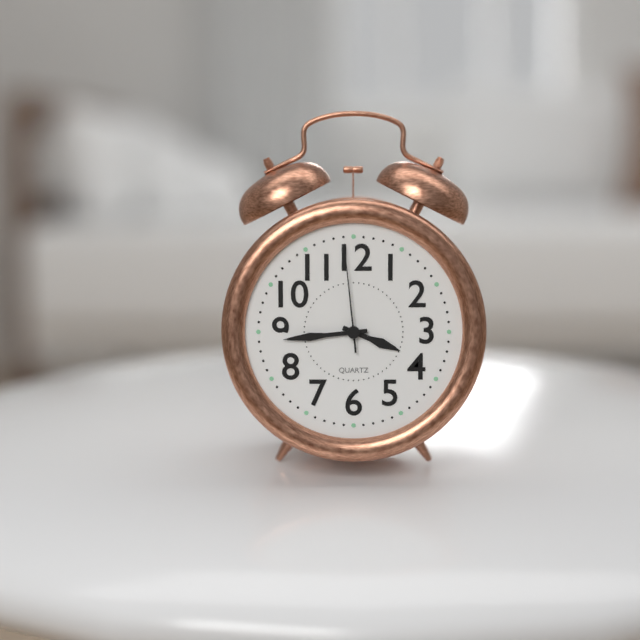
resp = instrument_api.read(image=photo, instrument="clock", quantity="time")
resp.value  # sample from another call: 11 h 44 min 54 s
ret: 3 h 44 min 59 s
